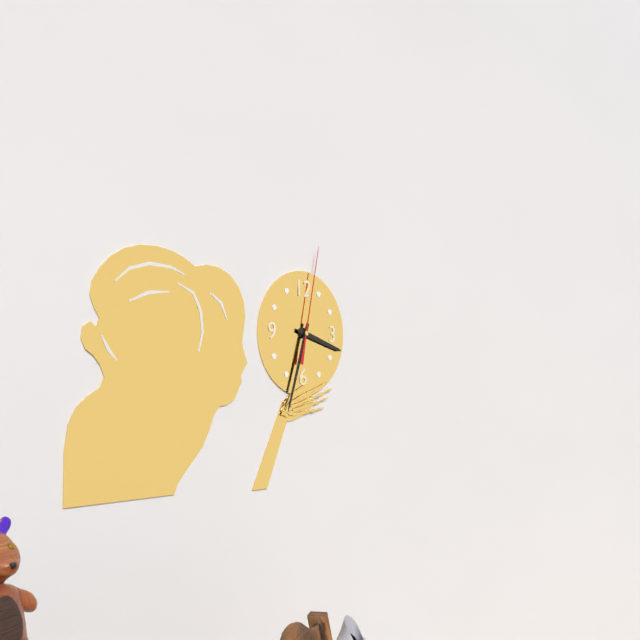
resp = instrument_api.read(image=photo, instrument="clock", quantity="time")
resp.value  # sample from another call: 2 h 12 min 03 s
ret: 3 h 33 min 02 s
